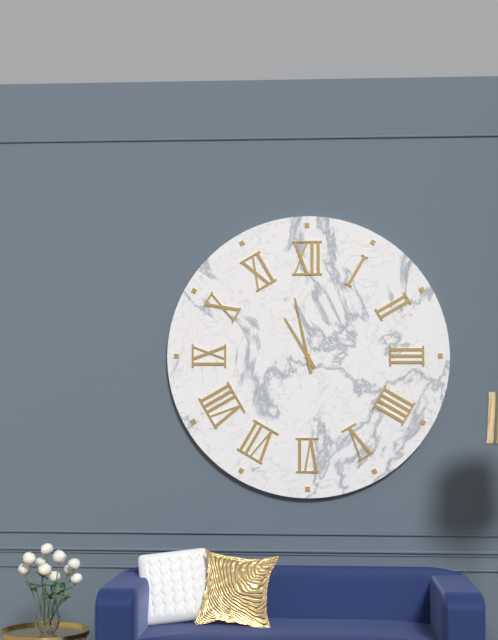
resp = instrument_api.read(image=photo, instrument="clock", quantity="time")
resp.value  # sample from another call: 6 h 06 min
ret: 10 h 58 min
